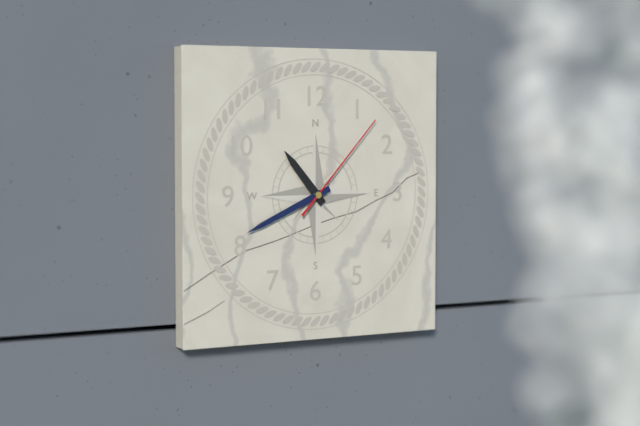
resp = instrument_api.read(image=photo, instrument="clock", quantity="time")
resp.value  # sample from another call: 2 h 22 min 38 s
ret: 10 h 41 min 07 s
